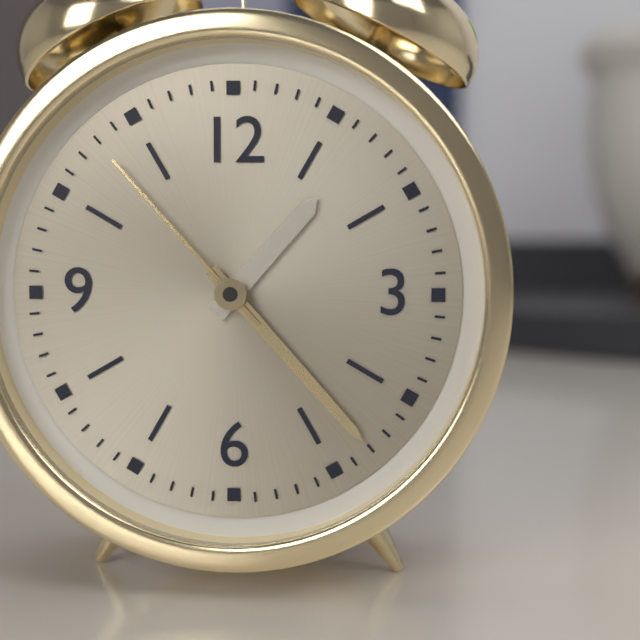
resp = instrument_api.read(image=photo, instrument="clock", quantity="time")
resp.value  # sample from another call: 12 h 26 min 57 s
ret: 1 h 23 min 53 s
